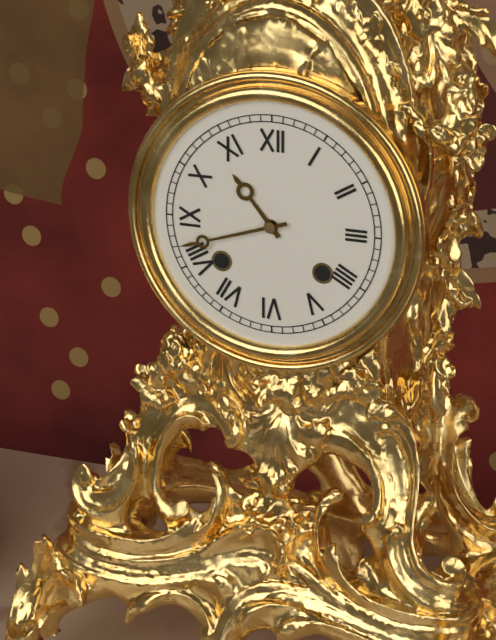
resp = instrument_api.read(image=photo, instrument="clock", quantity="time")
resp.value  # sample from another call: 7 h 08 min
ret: 10 h 42 min
